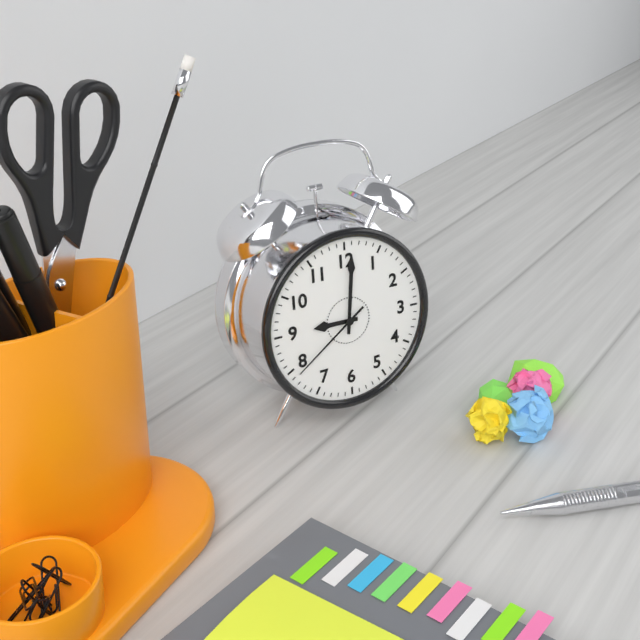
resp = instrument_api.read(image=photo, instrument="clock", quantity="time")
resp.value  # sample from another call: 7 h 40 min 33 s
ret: 9 h 01 min 39 s
